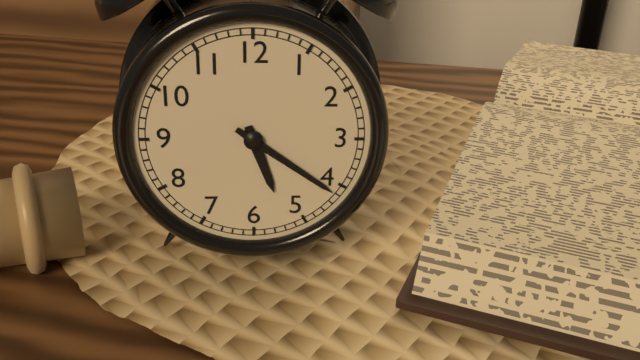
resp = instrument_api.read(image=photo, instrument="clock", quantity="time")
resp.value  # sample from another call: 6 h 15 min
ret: 5 h 21 min
